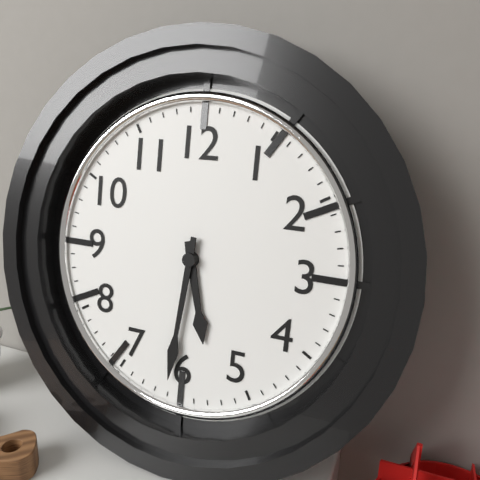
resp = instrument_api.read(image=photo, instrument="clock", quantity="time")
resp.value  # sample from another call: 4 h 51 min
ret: 5 h 31 min
